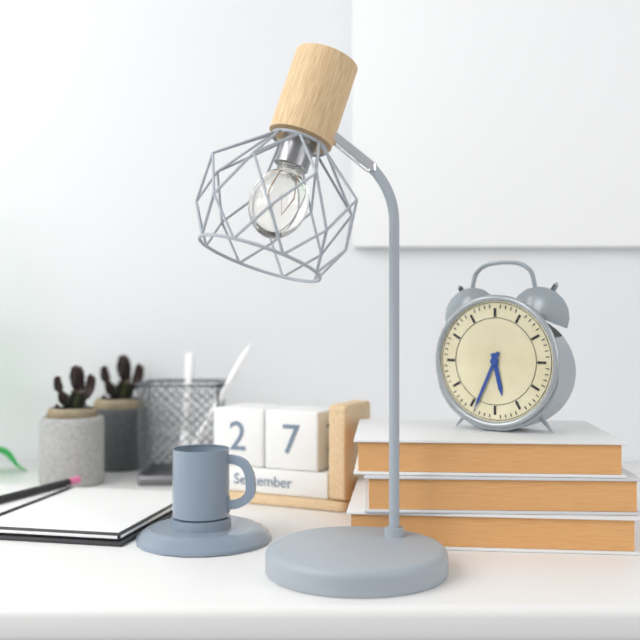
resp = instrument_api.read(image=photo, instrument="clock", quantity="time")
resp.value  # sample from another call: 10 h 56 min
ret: 5 h 34 min
